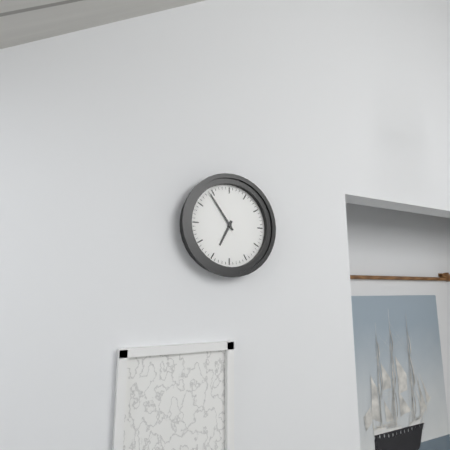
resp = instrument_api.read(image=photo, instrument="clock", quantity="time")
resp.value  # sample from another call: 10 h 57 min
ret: 6 h 54 min
